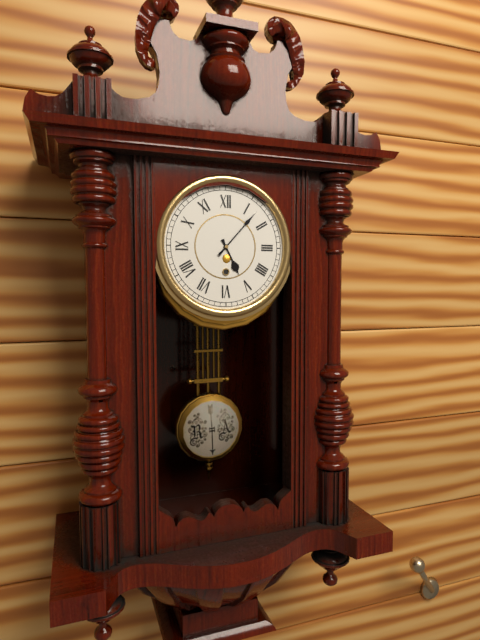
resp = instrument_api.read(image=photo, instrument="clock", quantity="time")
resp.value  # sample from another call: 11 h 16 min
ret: 5 h 07 min
